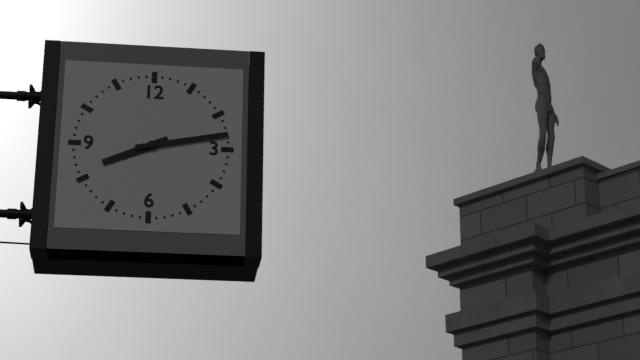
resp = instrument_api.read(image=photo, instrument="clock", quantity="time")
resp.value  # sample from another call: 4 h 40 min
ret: 8 h 13 min
